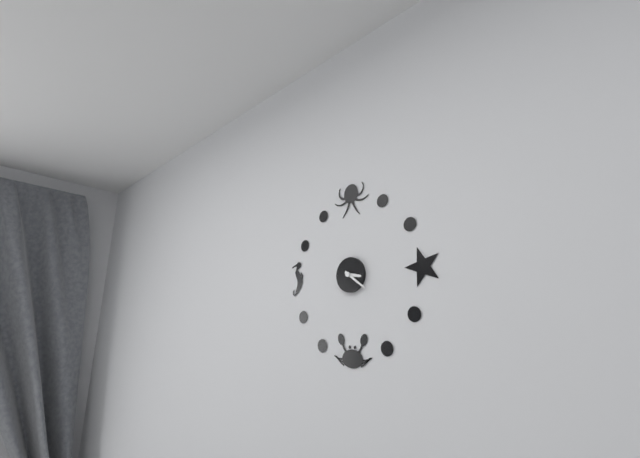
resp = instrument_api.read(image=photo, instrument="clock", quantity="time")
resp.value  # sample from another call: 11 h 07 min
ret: 3 h 21 min
